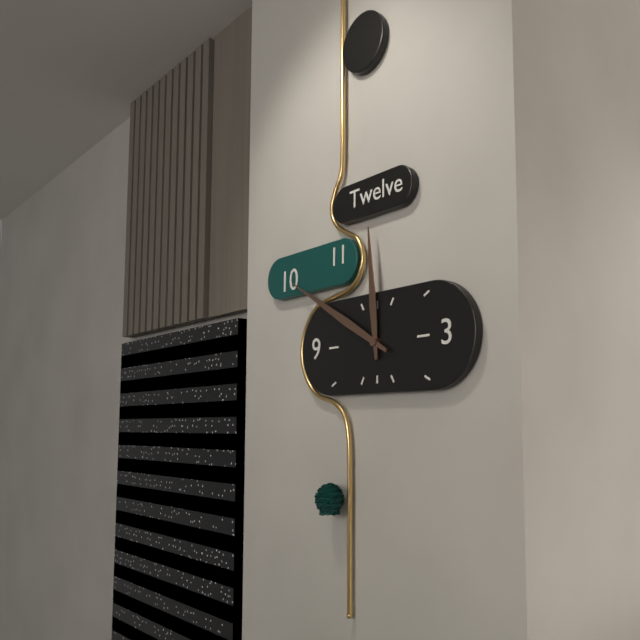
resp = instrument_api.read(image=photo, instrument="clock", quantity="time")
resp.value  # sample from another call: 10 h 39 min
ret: 11 h 50 min
